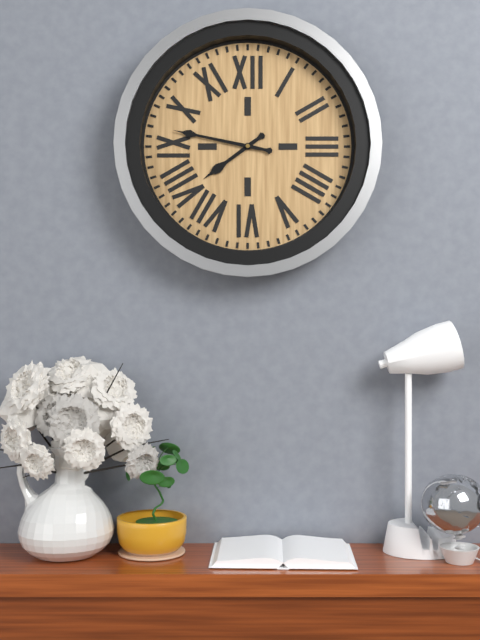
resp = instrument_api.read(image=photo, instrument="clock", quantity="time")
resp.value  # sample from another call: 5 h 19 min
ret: 7 h 47 min
